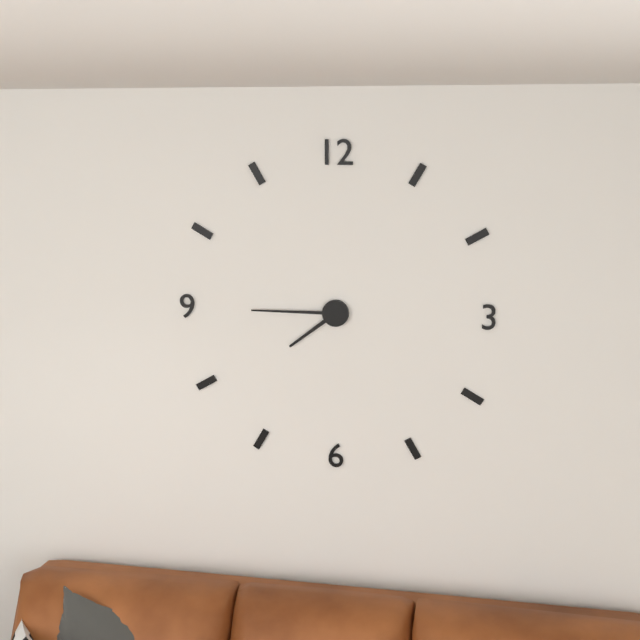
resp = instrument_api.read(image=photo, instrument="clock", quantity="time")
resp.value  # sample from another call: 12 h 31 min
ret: 7 h 45 min
